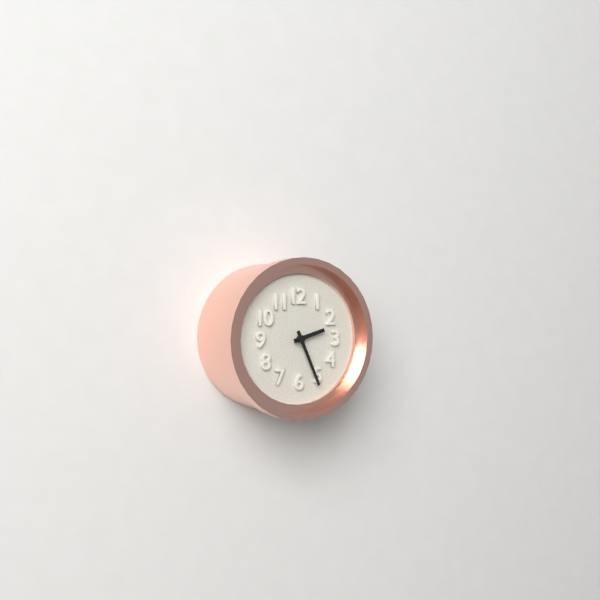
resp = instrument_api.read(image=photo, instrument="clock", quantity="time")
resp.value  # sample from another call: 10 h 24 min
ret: 2 h 26 min
